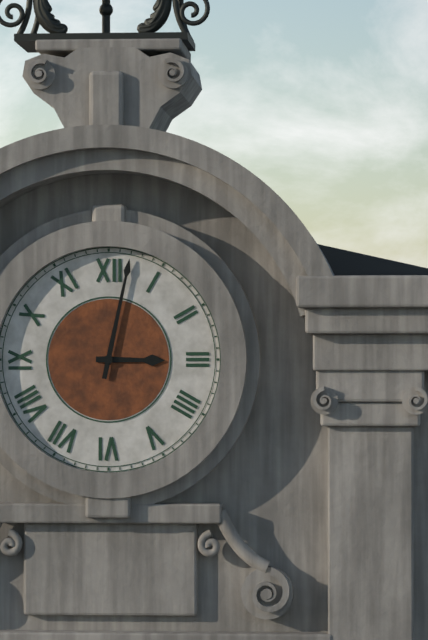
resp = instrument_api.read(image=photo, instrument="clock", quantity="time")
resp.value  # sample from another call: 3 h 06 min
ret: 3 h 02 min
